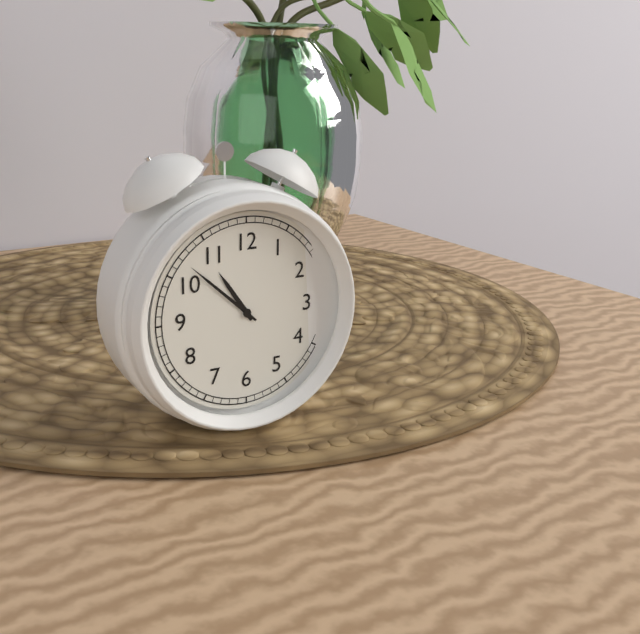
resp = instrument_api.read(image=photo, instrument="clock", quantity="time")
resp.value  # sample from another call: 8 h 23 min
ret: 10 h 52 min
